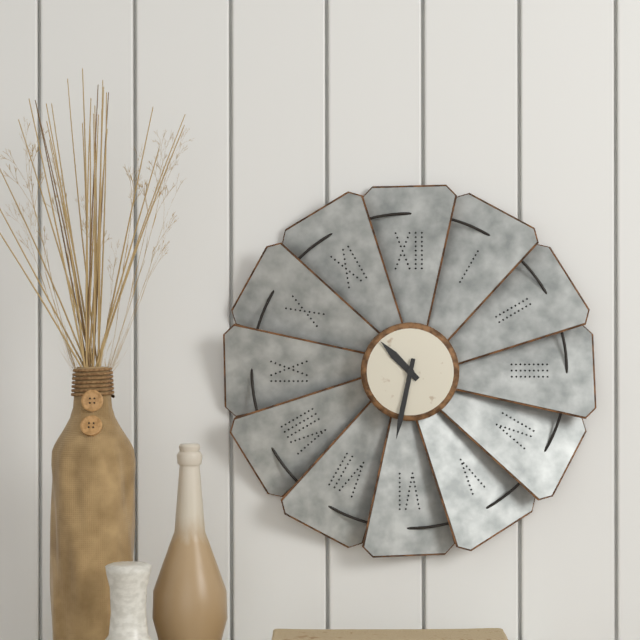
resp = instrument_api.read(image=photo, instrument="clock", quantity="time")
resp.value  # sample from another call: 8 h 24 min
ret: 10 h 32 min
